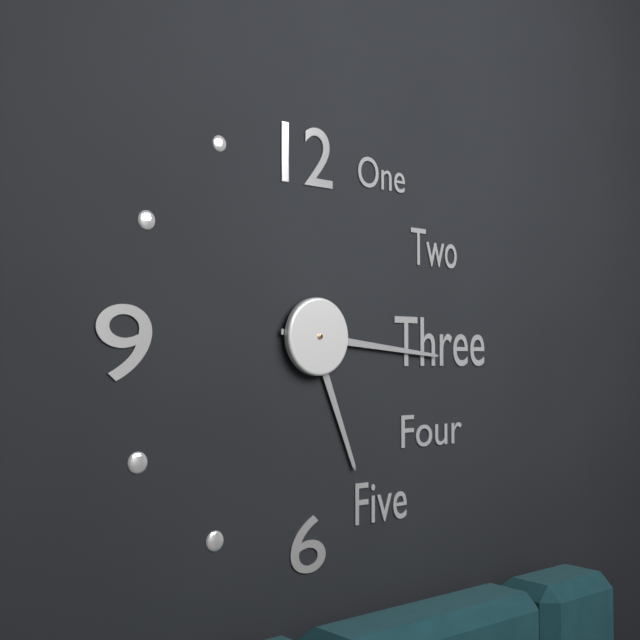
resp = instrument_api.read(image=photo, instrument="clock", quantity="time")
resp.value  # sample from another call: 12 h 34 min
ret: 5 h 16 min
